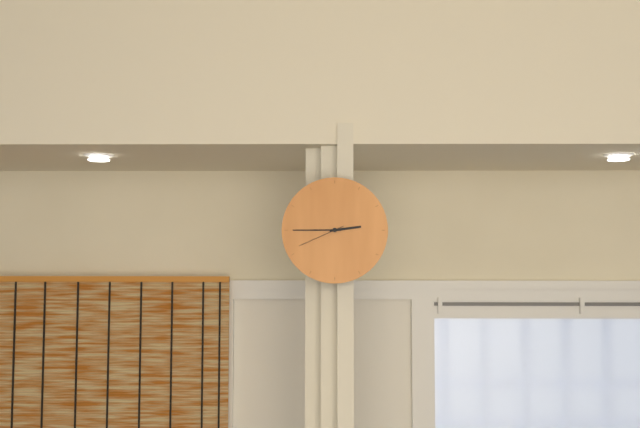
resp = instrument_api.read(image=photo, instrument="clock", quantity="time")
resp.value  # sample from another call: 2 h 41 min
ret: 2 h 45 min
